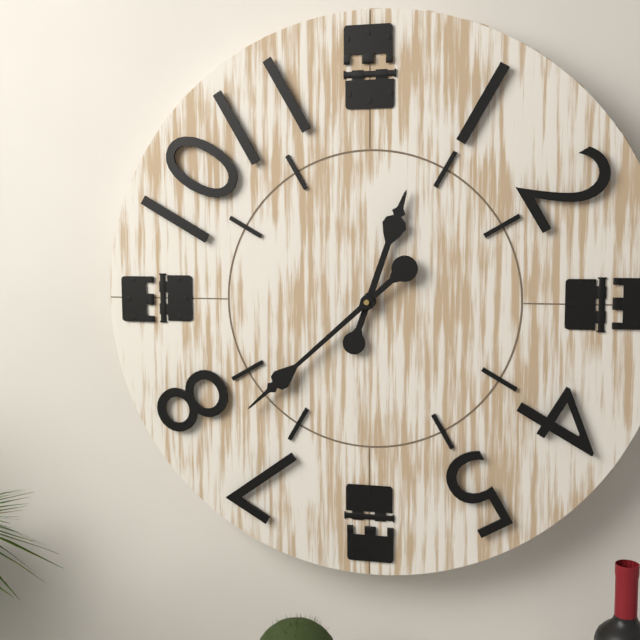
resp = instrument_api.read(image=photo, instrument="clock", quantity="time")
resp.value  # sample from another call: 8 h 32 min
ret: 12 h 38 min
